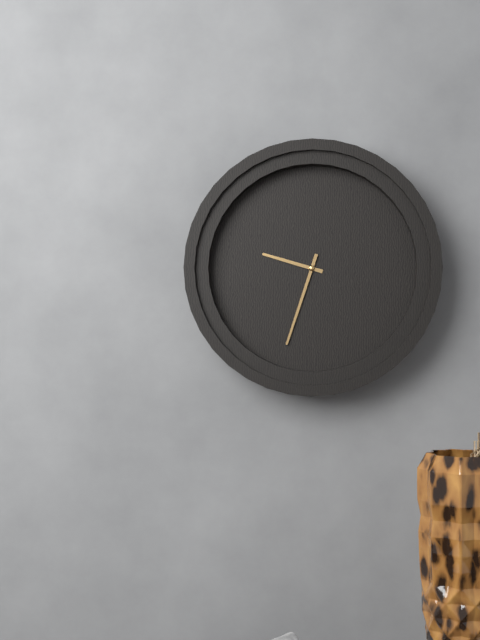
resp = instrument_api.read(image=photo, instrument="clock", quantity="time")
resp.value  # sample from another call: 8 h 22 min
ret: 9 h 33 min
